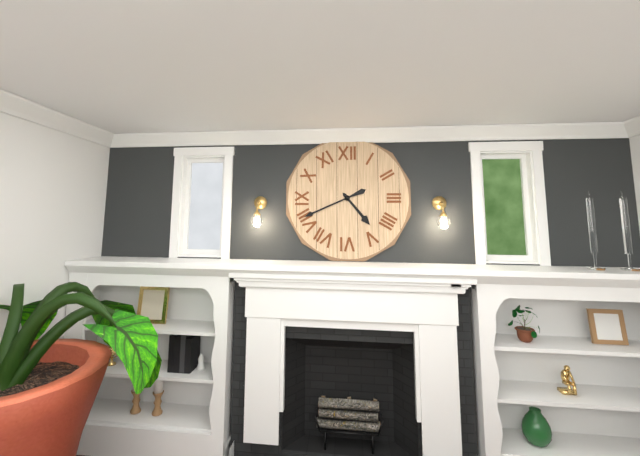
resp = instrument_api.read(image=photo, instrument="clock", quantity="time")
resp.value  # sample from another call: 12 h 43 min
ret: 4 h 41 min
